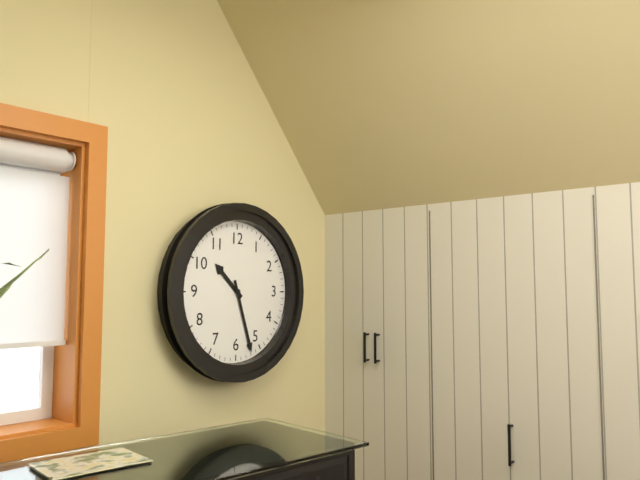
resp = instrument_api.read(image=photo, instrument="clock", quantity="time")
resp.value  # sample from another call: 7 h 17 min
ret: 10 h 27 min
